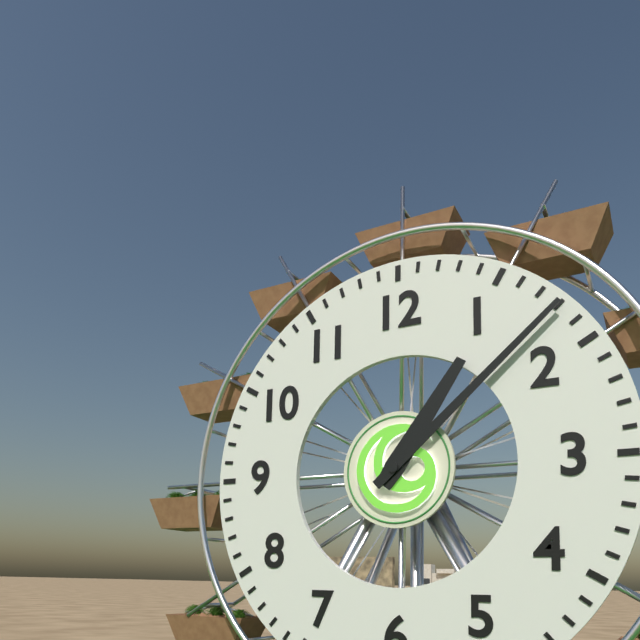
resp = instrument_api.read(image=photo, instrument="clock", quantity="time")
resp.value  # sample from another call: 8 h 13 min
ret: 1 h 08 min
